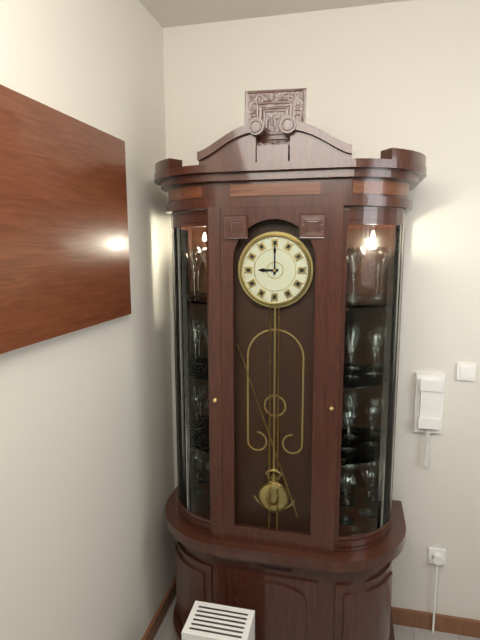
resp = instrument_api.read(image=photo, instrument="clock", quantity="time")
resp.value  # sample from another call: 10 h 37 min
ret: 9 h 00 min
